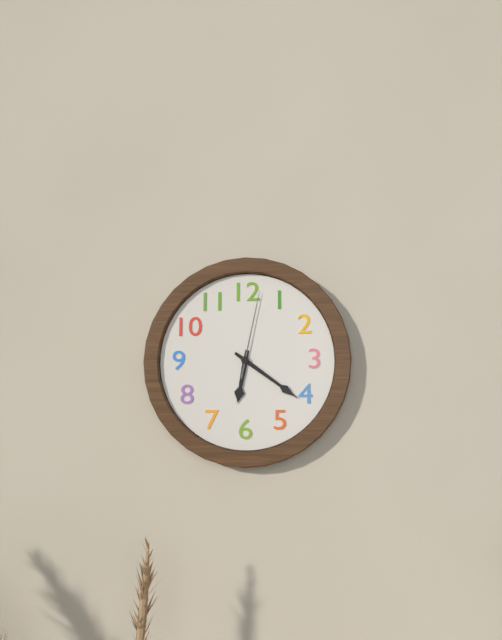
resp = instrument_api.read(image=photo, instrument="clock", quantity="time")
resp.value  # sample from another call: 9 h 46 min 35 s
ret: 6 h 21 min 02 s
